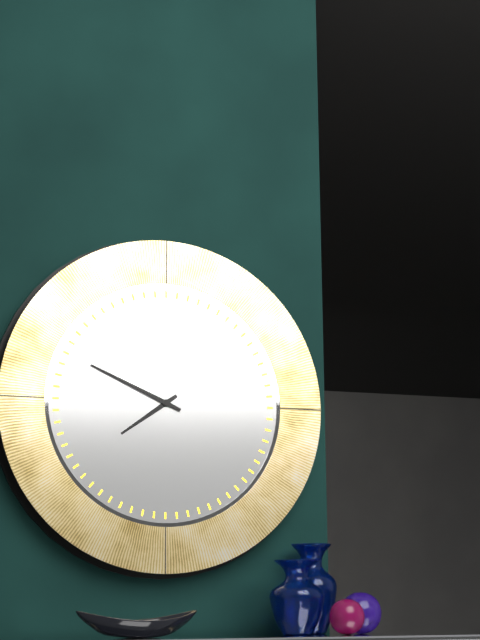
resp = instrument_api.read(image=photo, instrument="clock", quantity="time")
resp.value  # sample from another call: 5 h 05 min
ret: 7 h 49 min
